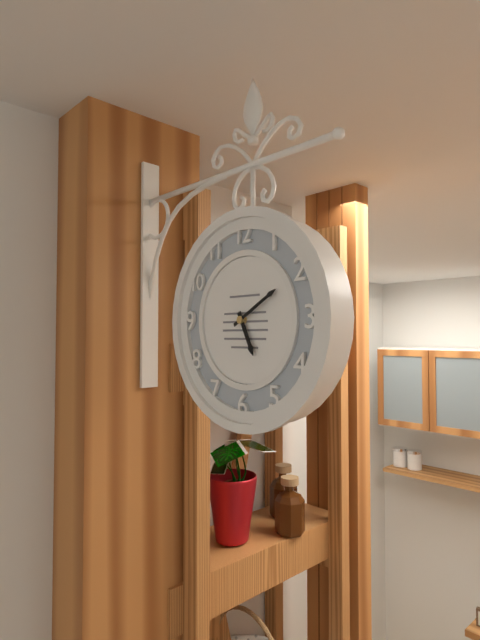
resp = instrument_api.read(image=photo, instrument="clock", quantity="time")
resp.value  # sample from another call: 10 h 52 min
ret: 5 h 10 min
